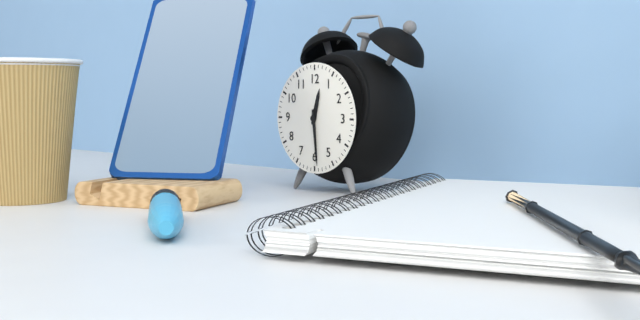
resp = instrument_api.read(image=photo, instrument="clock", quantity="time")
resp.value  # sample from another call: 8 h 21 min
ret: 12 h 29 min
